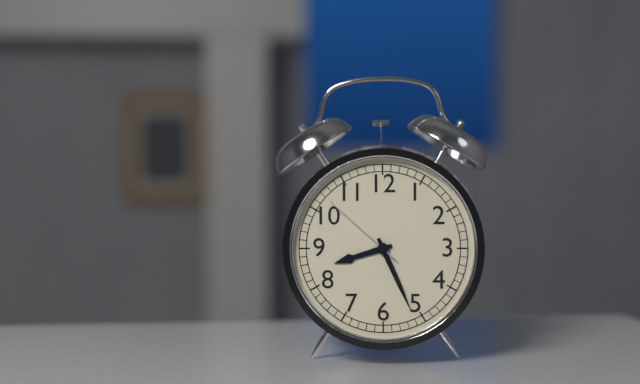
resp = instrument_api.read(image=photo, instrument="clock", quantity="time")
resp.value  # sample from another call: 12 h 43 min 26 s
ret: 8 h 26 min 52 s
